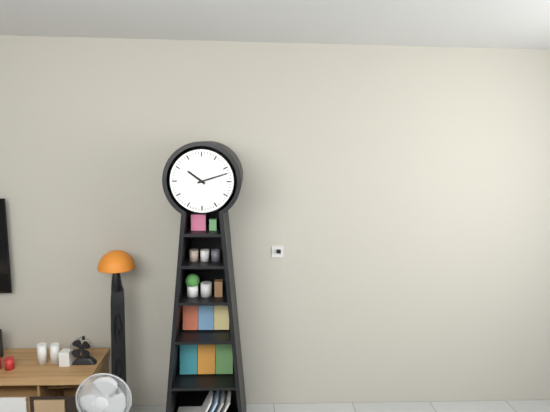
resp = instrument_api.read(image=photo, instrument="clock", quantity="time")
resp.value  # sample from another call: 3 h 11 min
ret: 10 h 12 min
